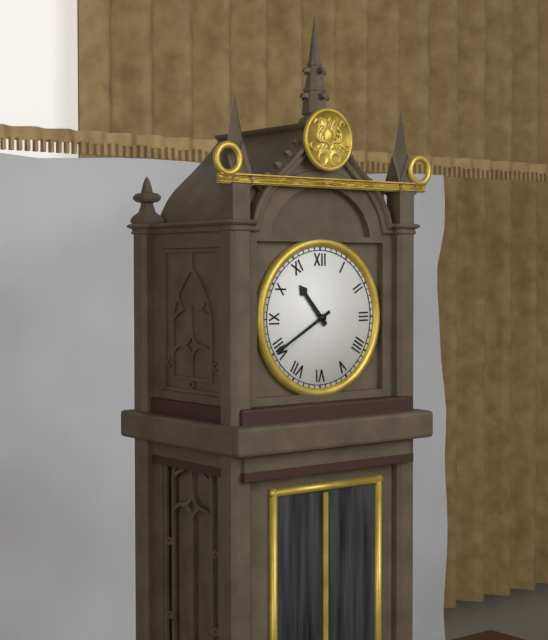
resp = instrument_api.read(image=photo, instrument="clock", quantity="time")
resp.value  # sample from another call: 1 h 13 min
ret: 10 h 40 min
